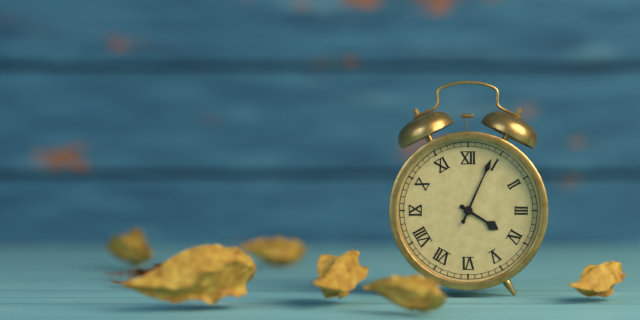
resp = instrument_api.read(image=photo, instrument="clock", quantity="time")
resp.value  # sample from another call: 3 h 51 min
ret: 4 h 04 min
